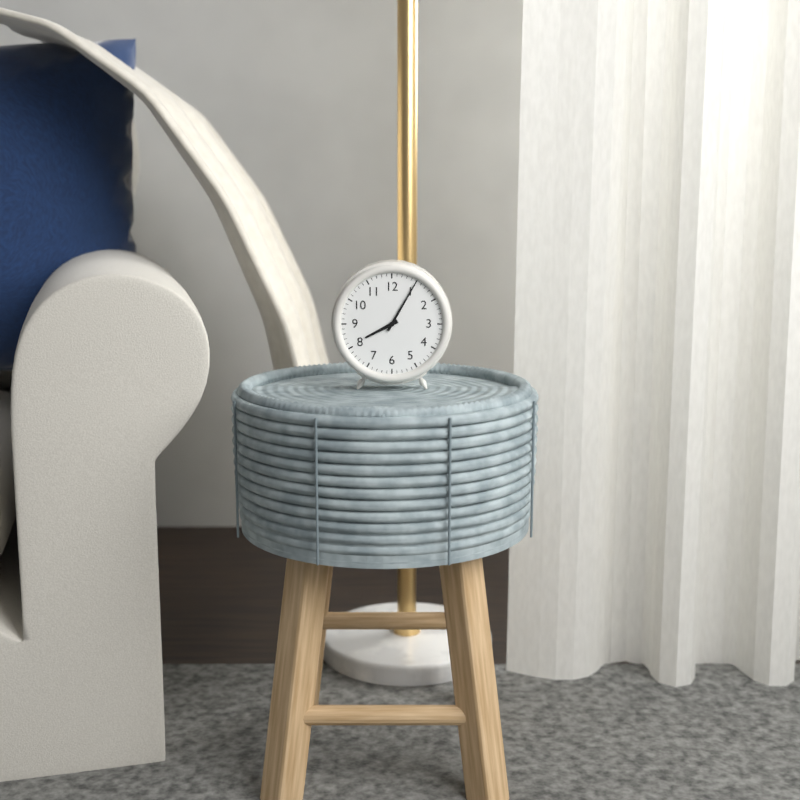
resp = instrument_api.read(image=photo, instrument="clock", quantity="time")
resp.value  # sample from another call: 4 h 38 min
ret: 8 h 05 min
